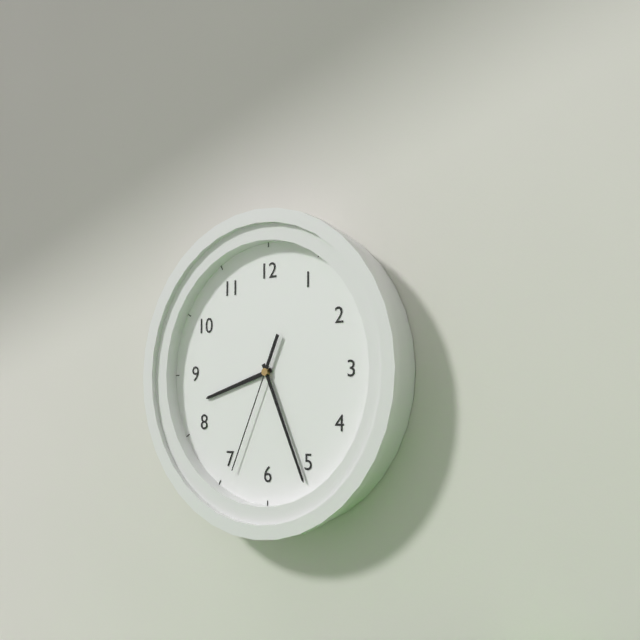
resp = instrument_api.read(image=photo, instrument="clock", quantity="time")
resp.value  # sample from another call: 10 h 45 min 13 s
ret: 8 h 26 min 34 s
